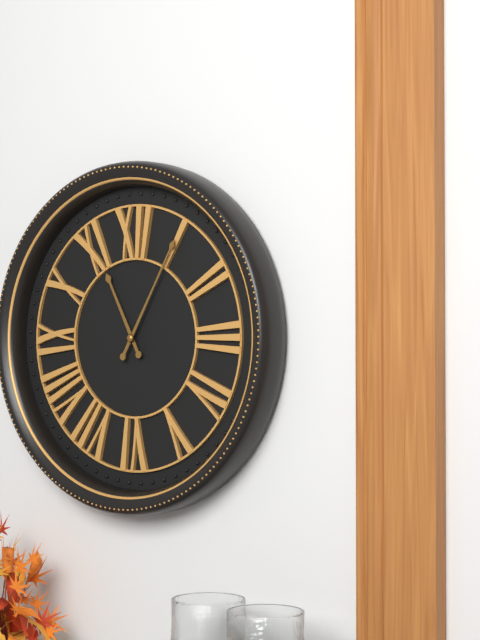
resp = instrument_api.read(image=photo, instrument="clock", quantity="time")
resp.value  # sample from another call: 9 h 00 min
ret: 11 h 05 min
